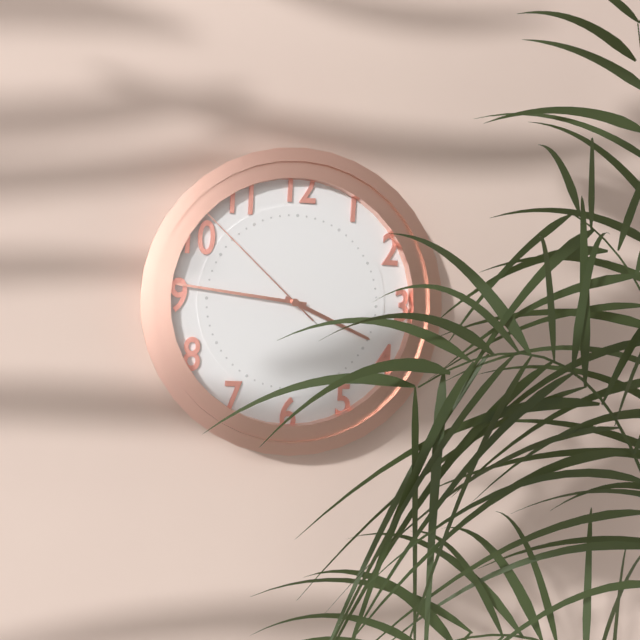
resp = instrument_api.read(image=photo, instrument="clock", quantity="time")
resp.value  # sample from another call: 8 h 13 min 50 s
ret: 3 h 46 min 52 s
